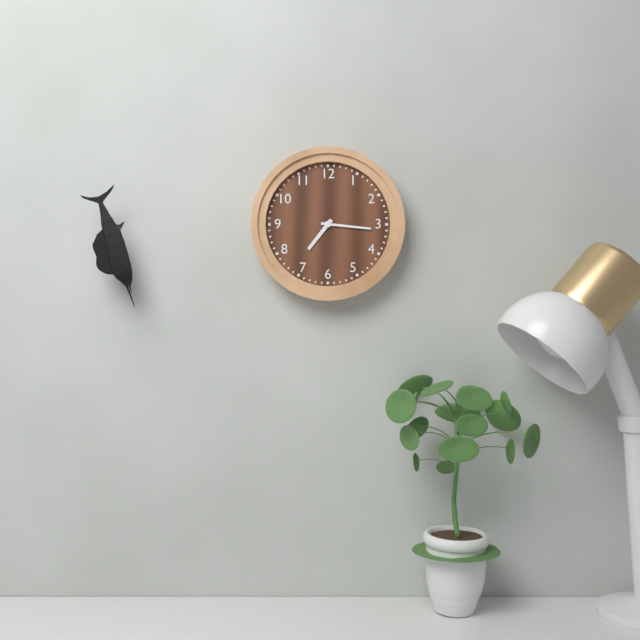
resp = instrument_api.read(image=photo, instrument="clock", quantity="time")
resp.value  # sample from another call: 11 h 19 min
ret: 7 h 16 min
